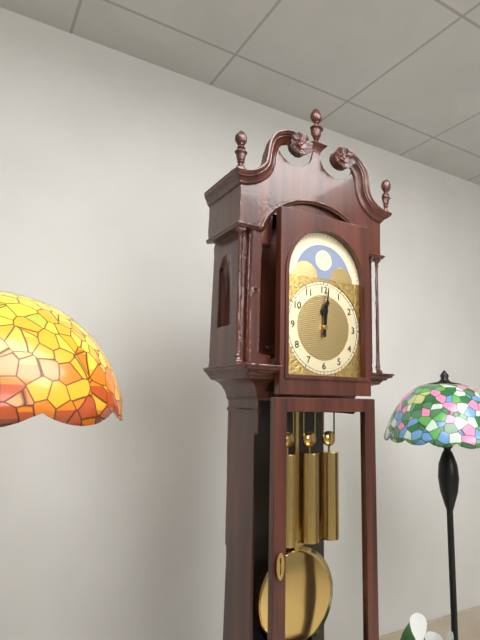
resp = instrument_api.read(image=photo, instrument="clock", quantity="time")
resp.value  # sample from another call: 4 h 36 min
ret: 12 h 01 min
